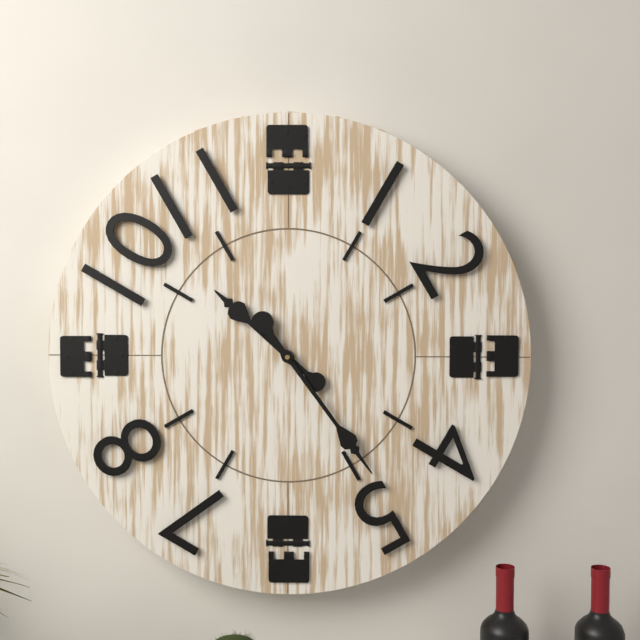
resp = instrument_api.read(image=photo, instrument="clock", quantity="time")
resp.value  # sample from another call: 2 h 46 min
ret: 10 h 24 min
